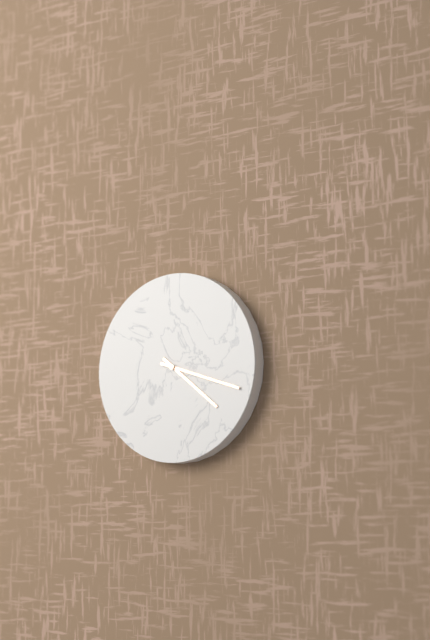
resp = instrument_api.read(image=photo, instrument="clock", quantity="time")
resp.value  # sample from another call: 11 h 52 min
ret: 4 h 18 min
